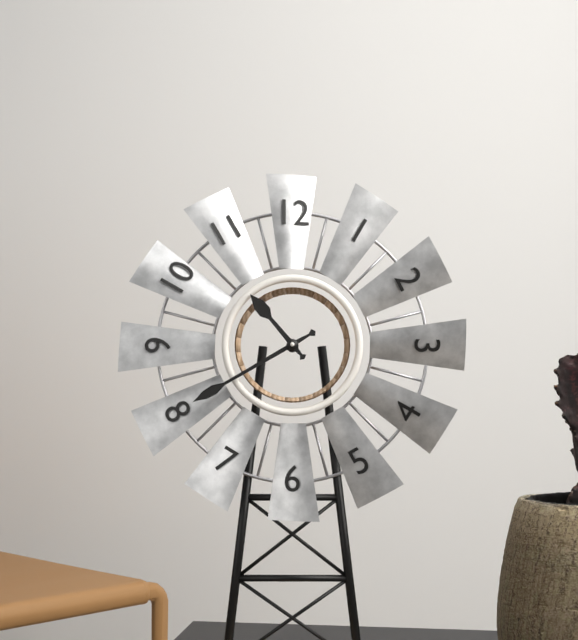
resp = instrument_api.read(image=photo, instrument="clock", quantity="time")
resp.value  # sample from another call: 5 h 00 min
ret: 10 h 40 min
